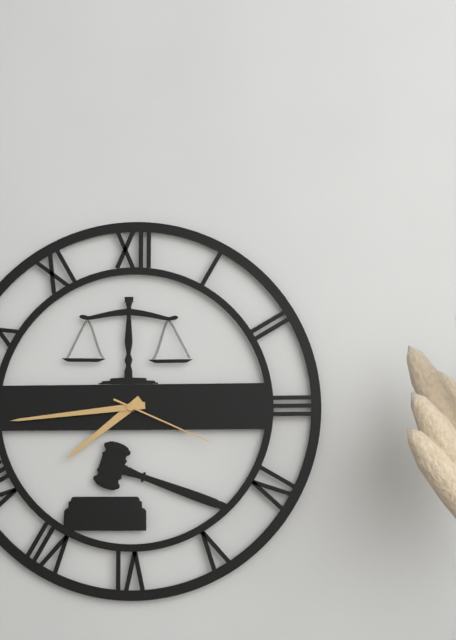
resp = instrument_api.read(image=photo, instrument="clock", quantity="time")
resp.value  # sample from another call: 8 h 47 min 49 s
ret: 7 h 44 min 19 s
